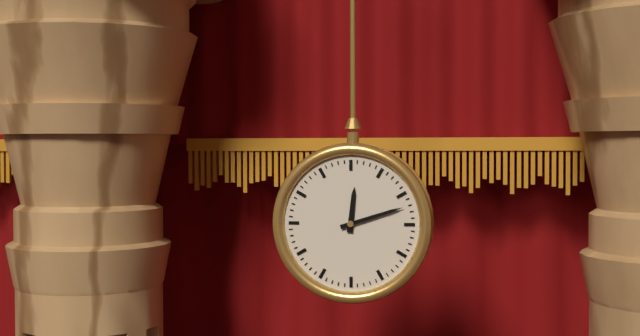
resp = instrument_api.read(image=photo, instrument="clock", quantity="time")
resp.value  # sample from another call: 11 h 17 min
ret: 12 h 12 min
